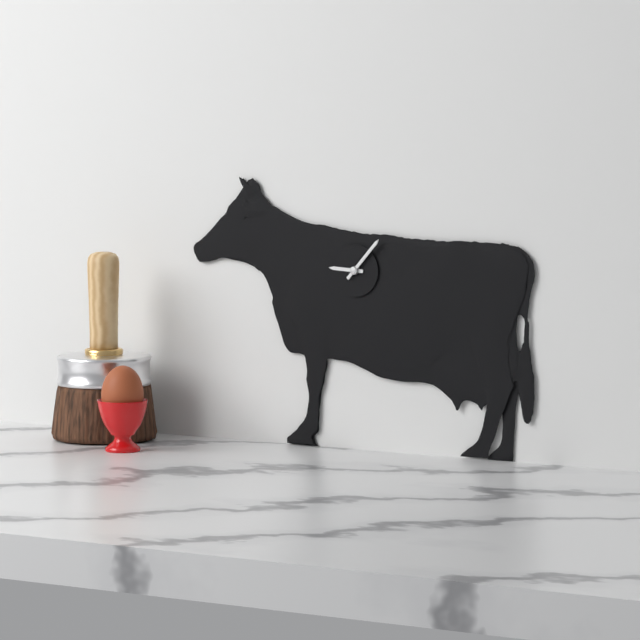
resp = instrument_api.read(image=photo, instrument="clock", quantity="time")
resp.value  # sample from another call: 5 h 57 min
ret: 9 h 07 min
